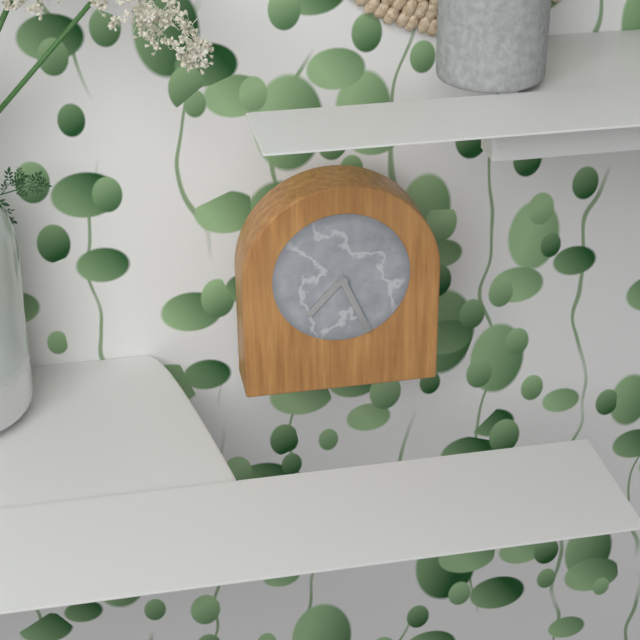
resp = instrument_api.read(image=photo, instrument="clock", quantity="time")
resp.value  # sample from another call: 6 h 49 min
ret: 7 h 26 min
